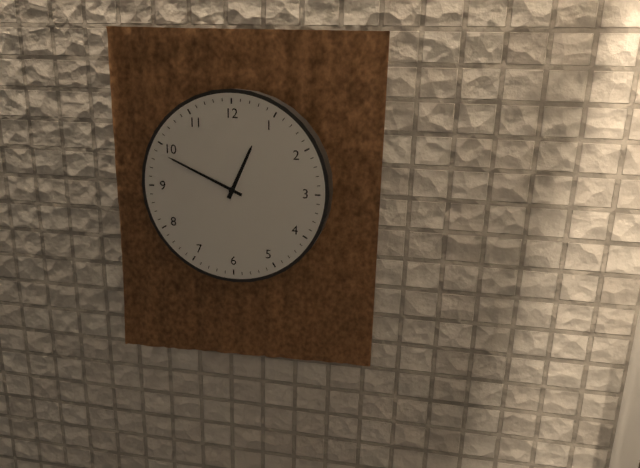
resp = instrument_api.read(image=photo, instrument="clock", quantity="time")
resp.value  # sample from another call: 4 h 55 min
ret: 12 h 49 min
